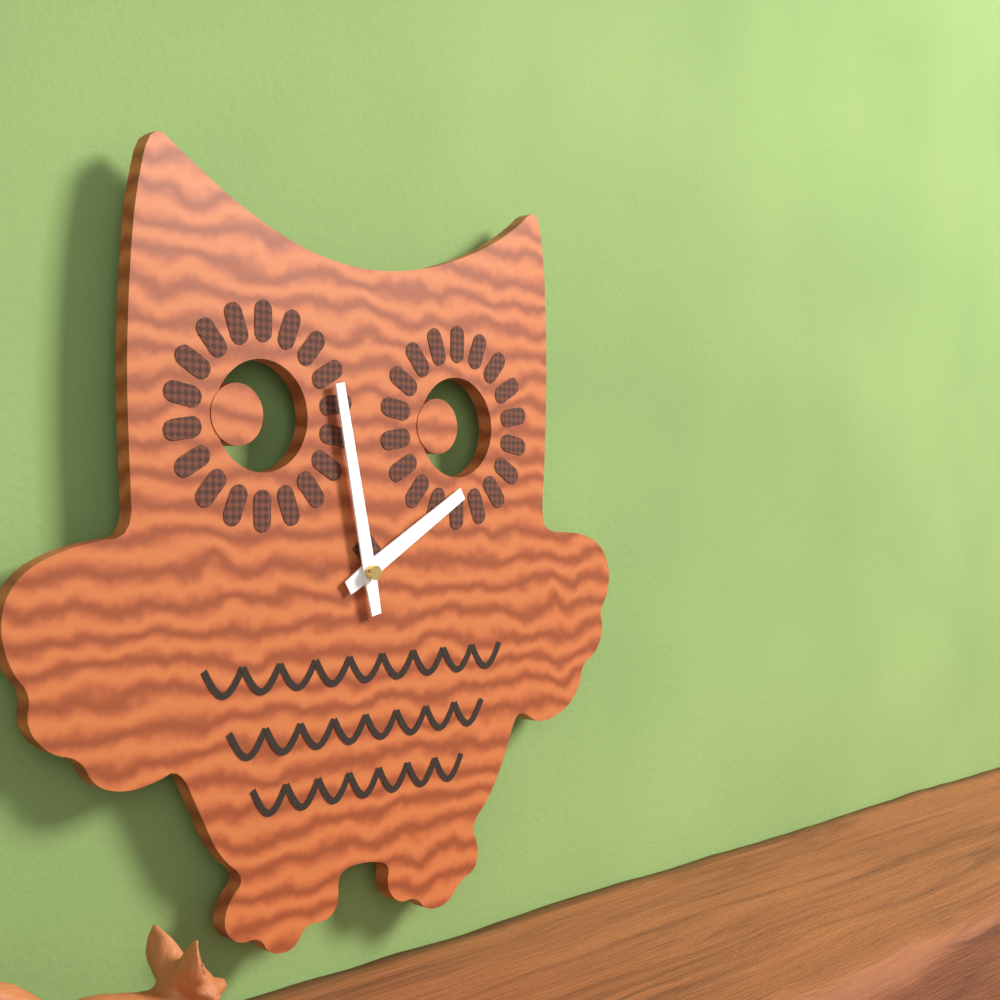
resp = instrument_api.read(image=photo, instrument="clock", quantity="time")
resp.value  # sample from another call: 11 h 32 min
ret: 1 h 58 min
